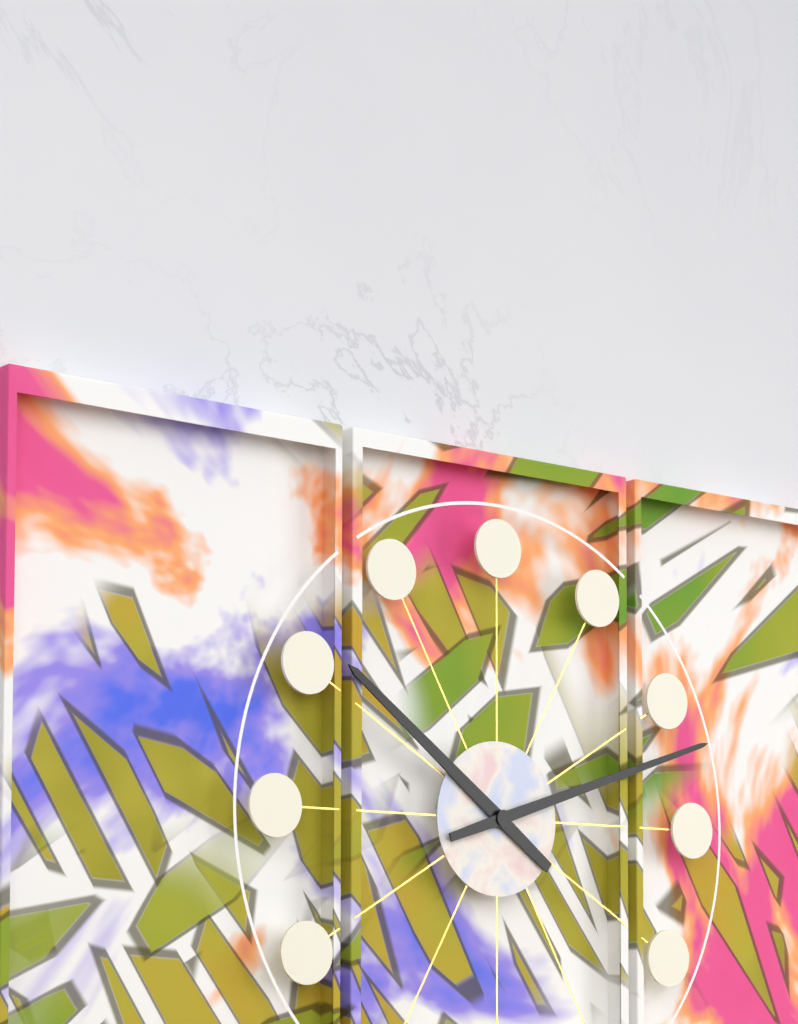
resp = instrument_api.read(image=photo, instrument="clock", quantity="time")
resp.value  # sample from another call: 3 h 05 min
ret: 10 h 12 min
